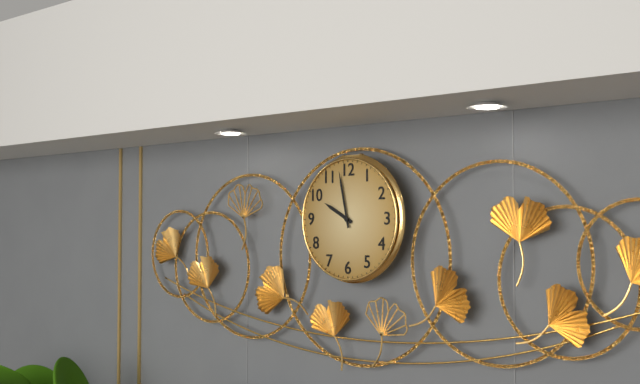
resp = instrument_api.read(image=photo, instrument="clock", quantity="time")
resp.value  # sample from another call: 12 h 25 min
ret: 9 h 58 min
